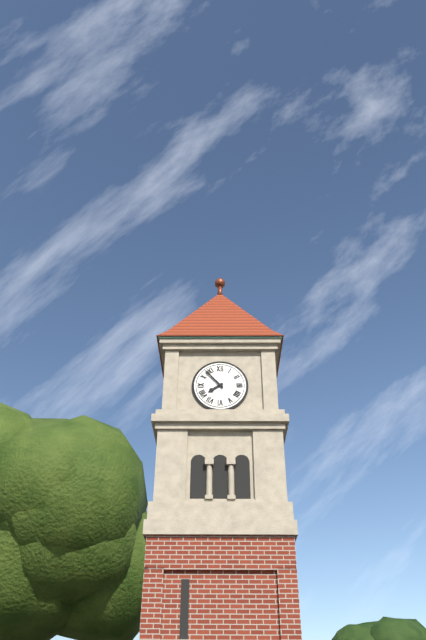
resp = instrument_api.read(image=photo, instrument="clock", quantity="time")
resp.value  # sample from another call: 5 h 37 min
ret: 7 h 53 min
